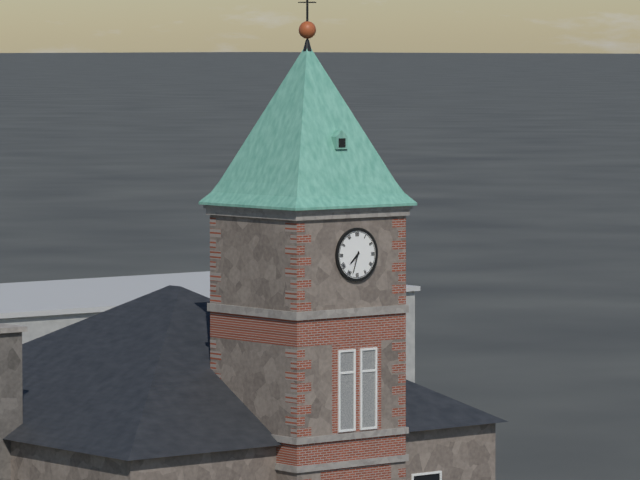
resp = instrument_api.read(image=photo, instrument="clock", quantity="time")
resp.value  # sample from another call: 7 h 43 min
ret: 7 h 33 min
